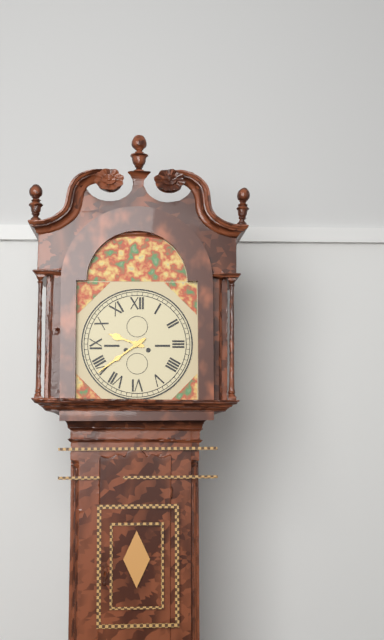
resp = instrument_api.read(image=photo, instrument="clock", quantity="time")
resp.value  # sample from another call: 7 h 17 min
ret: 9 h 39 min
